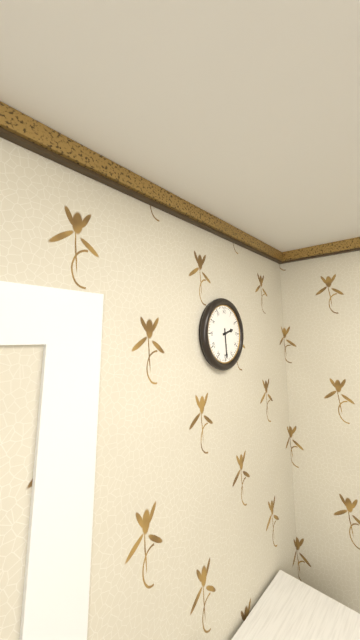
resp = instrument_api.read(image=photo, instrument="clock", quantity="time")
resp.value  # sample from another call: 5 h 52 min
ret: 2 h 29 min
